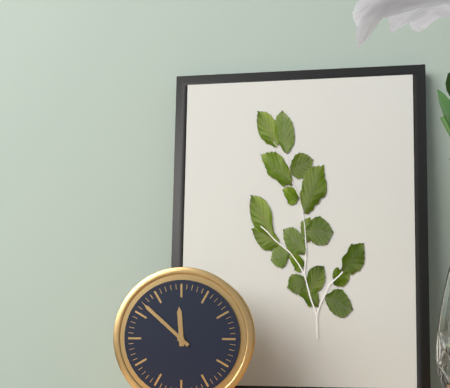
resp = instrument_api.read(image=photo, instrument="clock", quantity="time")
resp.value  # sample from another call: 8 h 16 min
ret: 11 h 52 min
